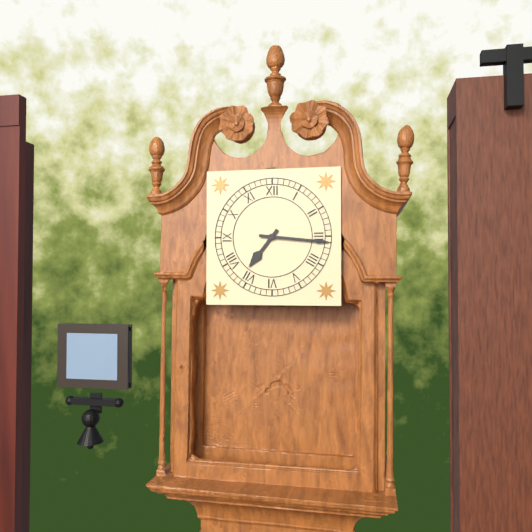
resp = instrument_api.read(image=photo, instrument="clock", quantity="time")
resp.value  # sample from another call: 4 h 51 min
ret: 7 h 16 min
